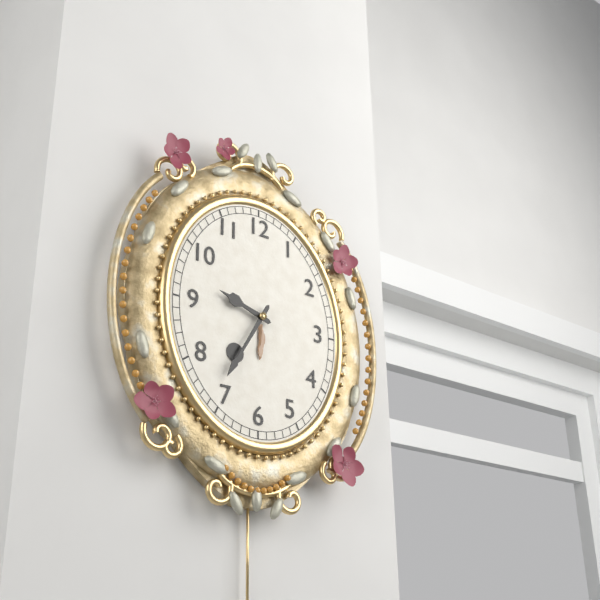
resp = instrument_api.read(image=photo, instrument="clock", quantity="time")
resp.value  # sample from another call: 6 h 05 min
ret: 9 h 35 min
